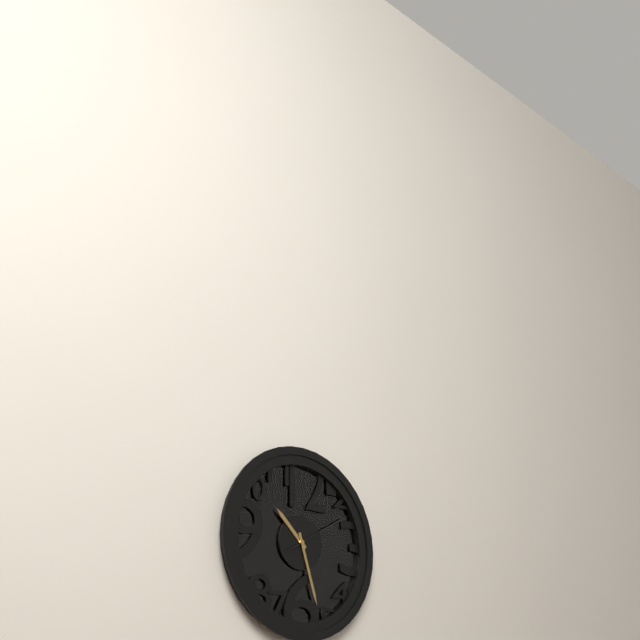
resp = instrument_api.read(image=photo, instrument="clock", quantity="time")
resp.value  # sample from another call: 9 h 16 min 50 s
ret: 10 h 27 min 10 s
